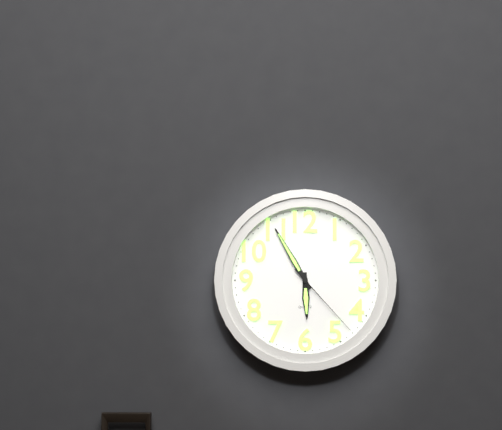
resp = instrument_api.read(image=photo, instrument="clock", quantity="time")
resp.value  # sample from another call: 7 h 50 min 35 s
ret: 5 h 55 min 23 s
